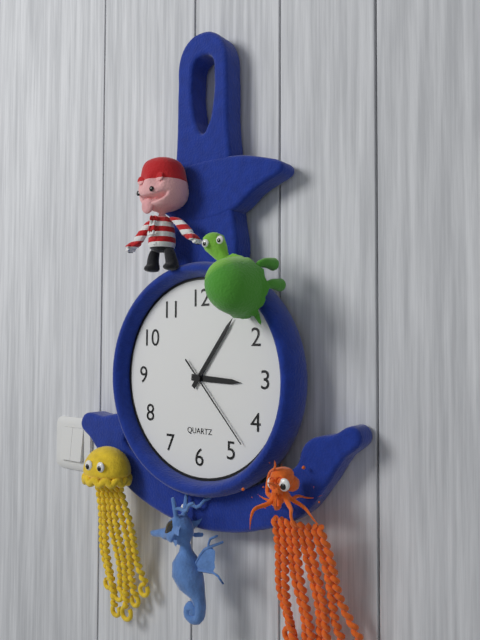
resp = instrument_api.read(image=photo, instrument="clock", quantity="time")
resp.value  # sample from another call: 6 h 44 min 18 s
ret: 3 h 06 min 23 s
